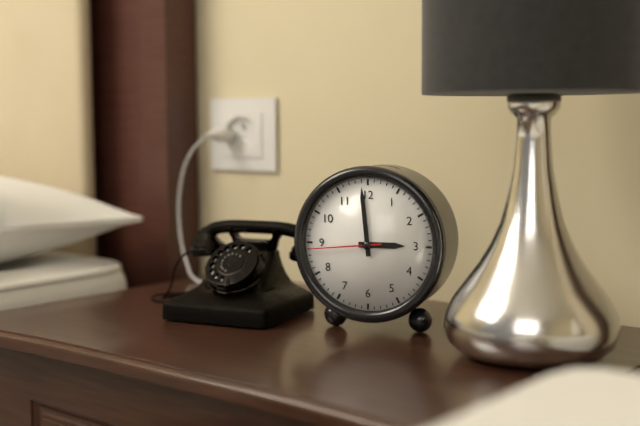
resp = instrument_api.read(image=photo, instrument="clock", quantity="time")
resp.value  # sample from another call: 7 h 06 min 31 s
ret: 2 h 59 min 44 s
